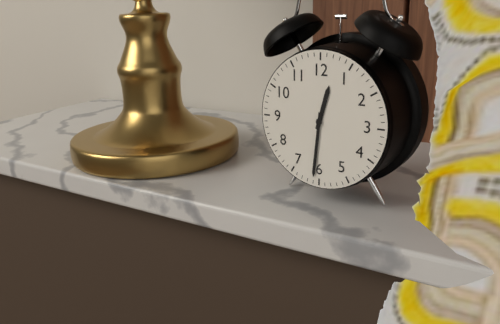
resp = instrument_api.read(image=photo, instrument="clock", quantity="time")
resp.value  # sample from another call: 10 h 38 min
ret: 12 h 31 min
